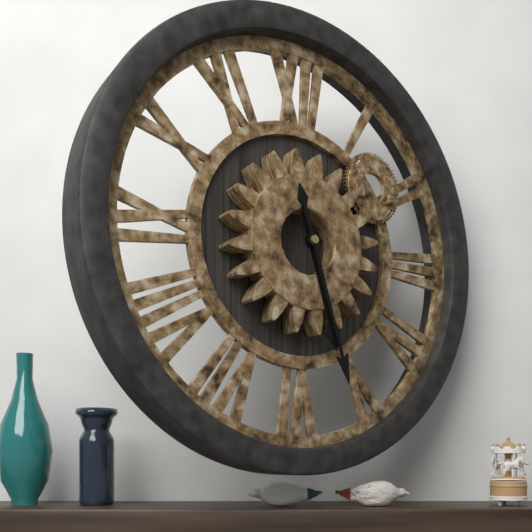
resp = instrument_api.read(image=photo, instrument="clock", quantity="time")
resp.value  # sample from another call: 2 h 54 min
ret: 5 h 27 min
